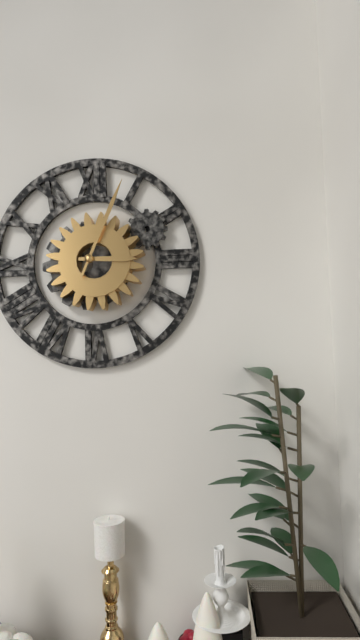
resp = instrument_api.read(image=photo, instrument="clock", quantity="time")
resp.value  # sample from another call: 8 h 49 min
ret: 3 h 04 min
